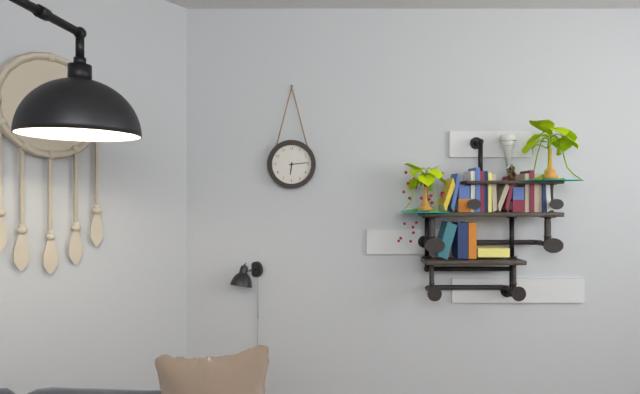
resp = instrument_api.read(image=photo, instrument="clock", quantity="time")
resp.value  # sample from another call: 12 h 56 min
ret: 6 h 14 min
